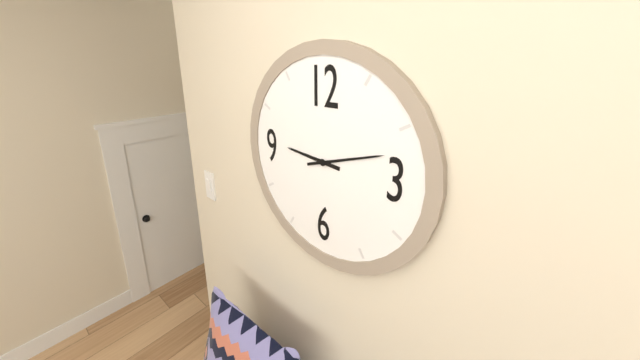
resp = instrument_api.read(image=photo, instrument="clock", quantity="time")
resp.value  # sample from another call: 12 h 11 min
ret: 9 h 12 min
